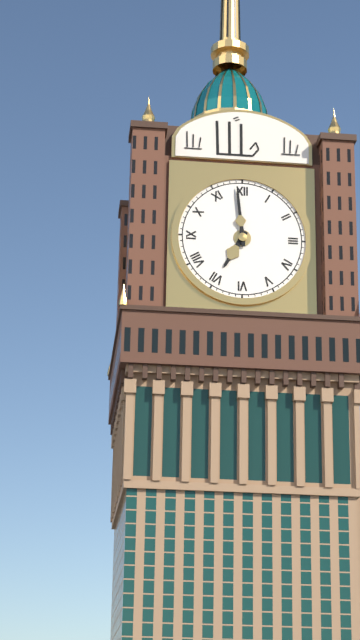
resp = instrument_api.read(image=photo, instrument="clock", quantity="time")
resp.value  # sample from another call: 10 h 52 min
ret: 6 h 59 min
